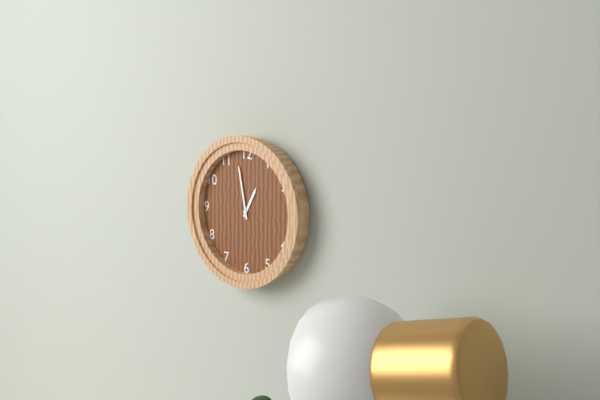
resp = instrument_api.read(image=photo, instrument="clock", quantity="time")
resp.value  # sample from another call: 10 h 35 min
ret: 12 h 58 min
